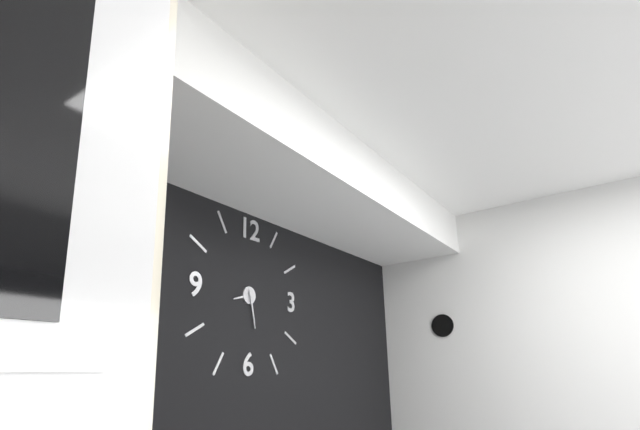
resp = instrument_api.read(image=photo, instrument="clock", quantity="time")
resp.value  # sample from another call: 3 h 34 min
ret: 8 h 28 min
